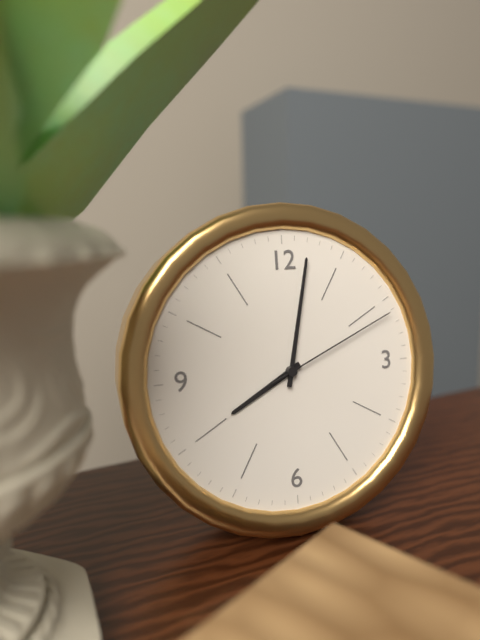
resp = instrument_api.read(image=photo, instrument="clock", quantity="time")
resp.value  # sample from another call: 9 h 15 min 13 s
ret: 8 h 02 min 11 s
